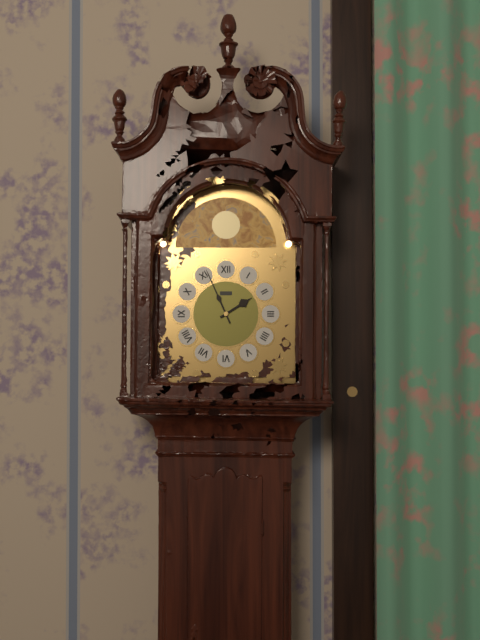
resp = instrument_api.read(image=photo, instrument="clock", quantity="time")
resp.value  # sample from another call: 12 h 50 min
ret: 1 h 56 min
